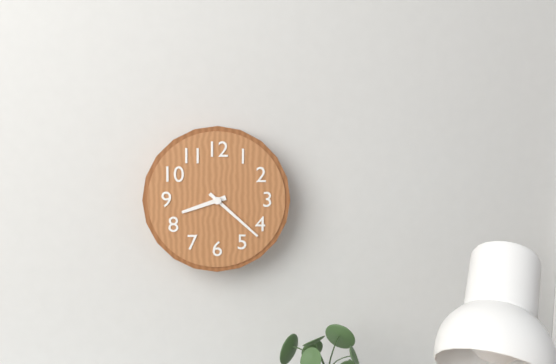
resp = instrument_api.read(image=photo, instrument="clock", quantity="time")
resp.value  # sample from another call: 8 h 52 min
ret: 8 h 22 min
